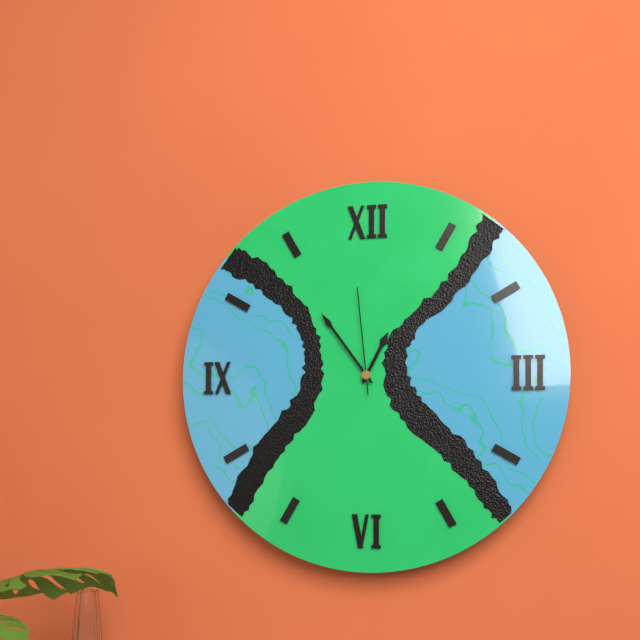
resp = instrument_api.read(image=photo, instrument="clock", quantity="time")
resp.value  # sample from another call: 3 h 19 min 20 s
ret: 12 h 54 min 59 s
